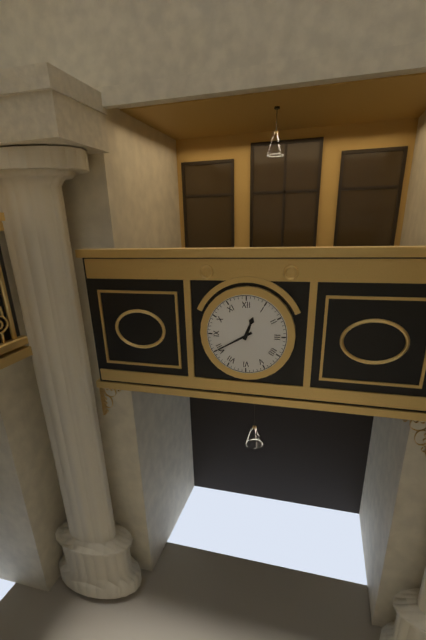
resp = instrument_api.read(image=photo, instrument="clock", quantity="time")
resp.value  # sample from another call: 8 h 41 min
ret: 12 h 40 min
